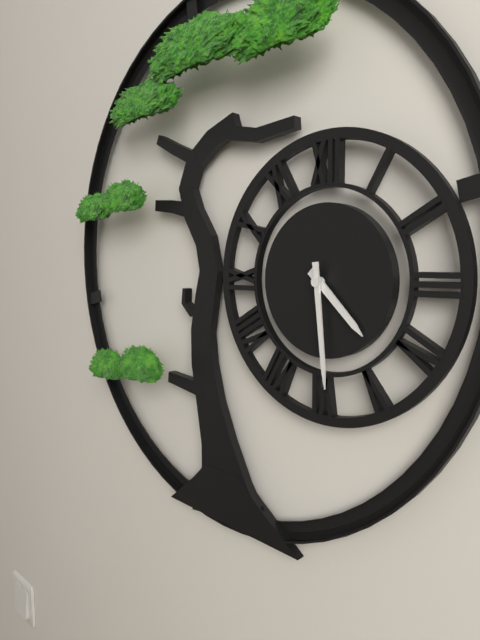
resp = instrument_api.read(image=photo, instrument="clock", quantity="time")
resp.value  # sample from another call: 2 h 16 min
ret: 4 h 29 min
